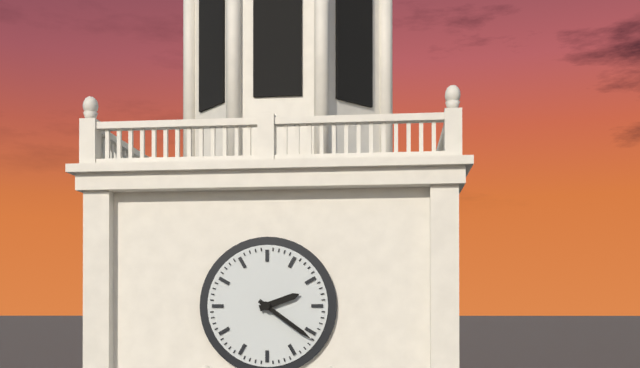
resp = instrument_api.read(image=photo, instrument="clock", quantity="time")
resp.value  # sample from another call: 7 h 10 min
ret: 2 h 21 min
